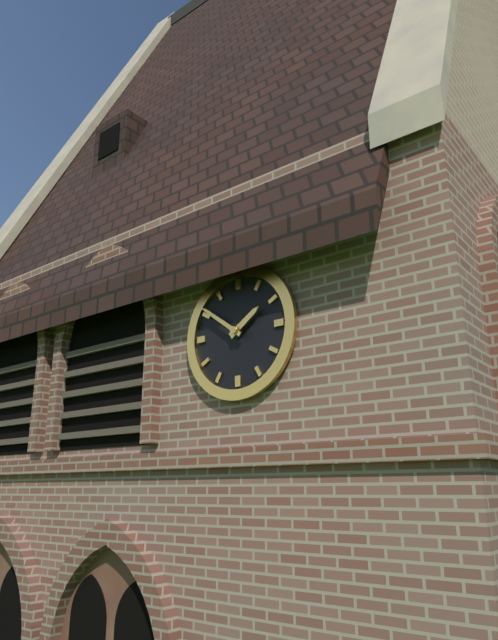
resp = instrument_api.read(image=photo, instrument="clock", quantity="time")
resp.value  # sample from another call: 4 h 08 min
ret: 1 h 51 min
